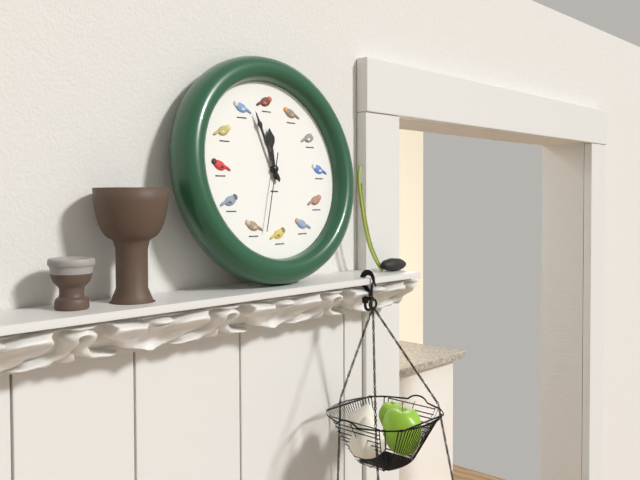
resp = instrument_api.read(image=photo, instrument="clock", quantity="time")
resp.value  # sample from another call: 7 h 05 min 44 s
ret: 11 h 57 min 33 s
